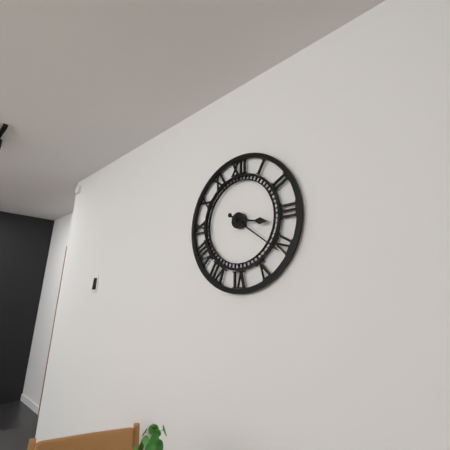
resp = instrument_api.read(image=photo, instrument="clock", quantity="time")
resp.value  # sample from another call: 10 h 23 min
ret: 3 h 21 min
